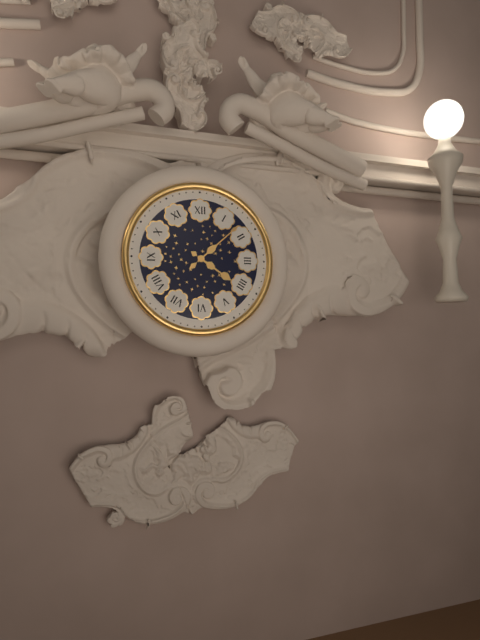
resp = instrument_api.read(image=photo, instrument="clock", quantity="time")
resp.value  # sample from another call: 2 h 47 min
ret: 4 h 08 min
